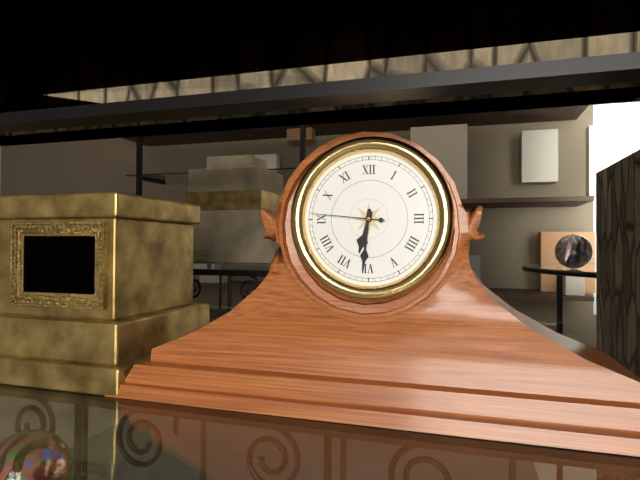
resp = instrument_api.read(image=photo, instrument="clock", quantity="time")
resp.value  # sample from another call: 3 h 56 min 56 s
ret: 6 h 31 min 46 s
